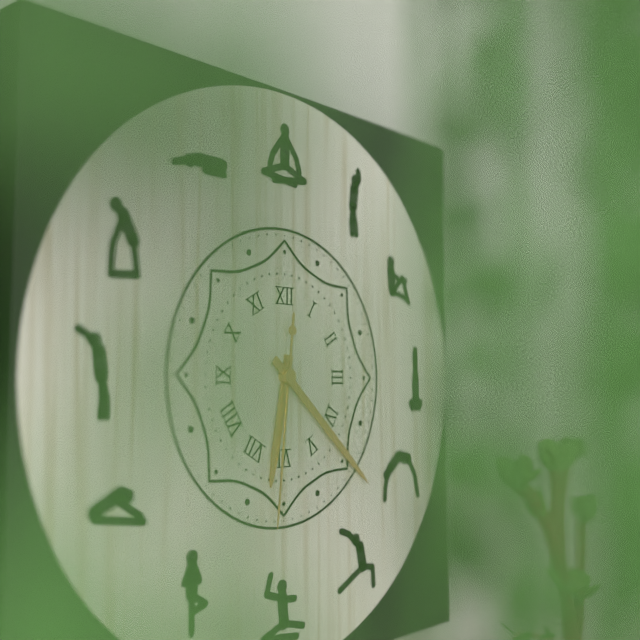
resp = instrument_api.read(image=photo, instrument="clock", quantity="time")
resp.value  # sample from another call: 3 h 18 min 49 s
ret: 6 h 22 min 31 s
